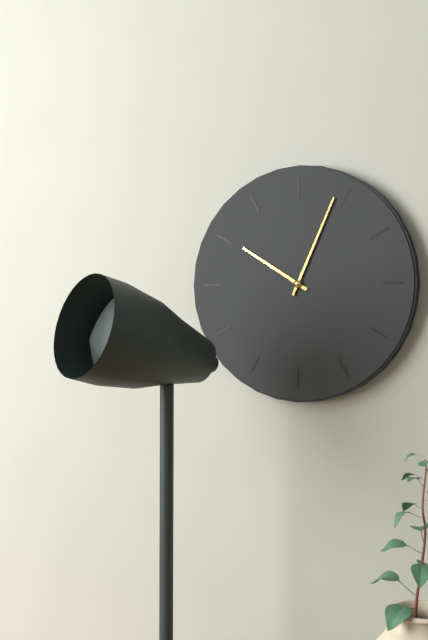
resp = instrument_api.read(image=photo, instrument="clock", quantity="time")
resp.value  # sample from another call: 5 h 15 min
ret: 10 h 04 min
